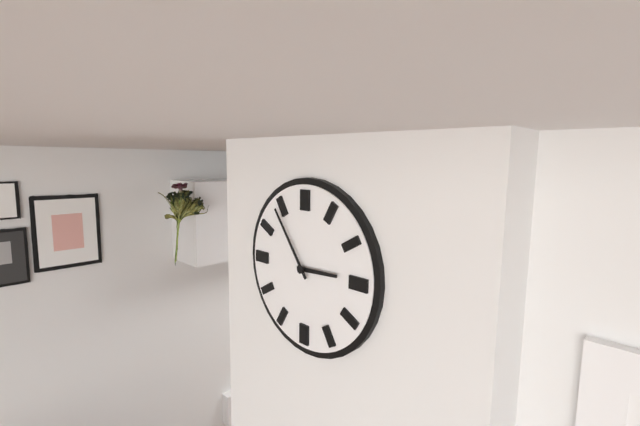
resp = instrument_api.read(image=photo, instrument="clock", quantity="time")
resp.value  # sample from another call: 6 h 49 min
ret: 2 h 54 min
